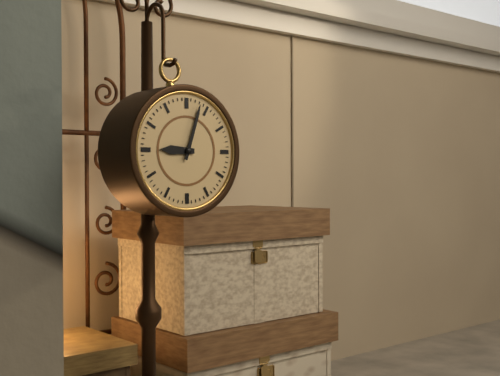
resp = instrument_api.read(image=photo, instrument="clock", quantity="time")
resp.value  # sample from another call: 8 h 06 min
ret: 9 h 03 min
